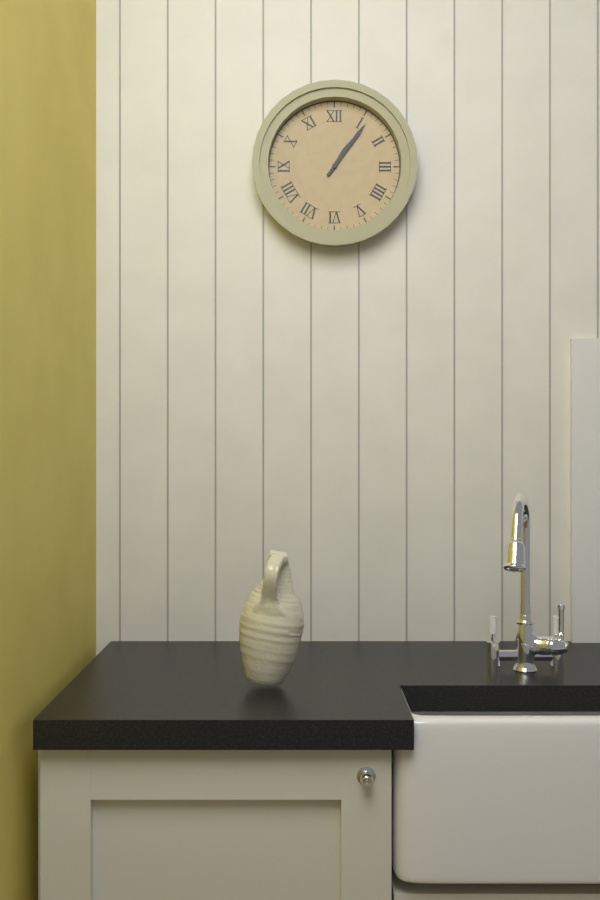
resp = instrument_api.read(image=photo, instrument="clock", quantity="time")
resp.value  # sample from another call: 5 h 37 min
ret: 1 h 06 min
